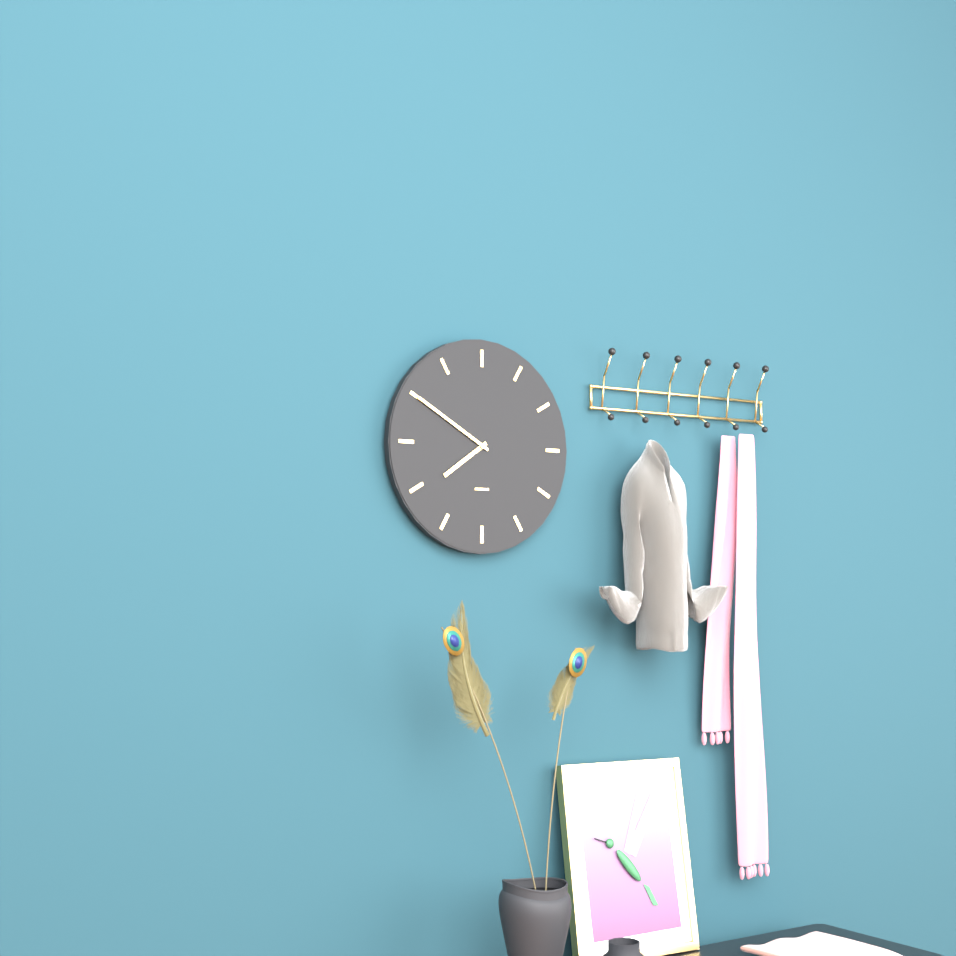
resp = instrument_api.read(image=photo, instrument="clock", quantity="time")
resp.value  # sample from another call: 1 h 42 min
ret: 7 h 50 min
